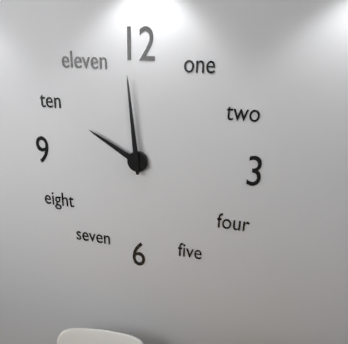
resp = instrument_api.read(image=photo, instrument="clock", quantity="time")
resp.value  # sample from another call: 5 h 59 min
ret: 9 h 59 min
